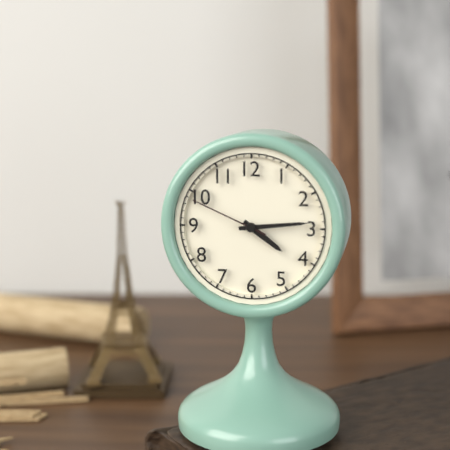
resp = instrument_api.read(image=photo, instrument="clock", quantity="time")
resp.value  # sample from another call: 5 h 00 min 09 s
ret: 4 h 14 min 49 s
